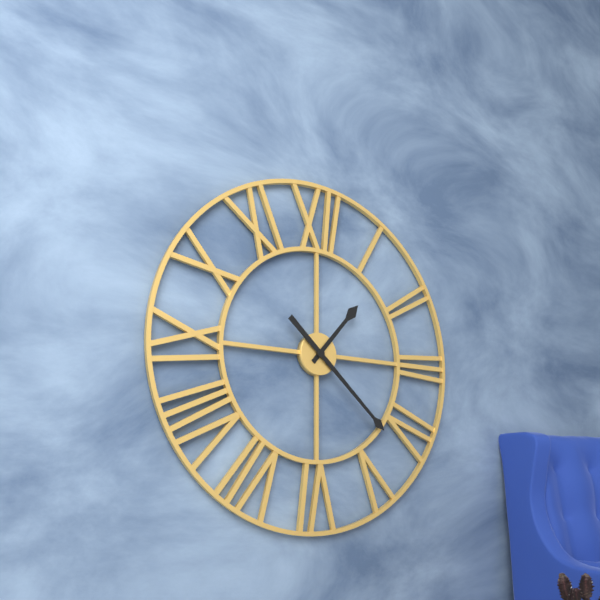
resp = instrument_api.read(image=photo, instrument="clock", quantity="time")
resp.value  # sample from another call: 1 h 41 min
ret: 1 h 22 min
